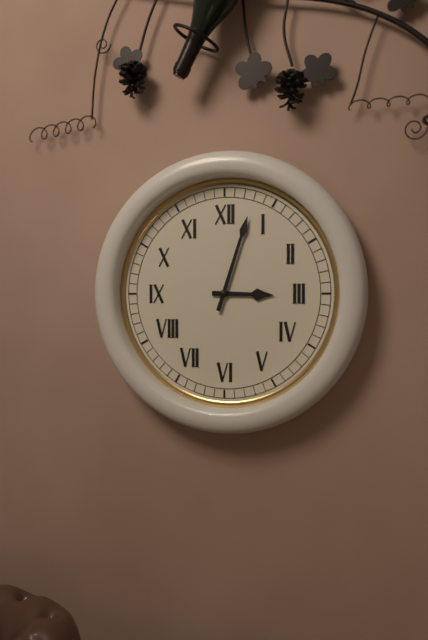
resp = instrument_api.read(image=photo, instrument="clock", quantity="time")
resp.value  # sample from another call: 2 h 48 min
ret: 3 h 03 min
